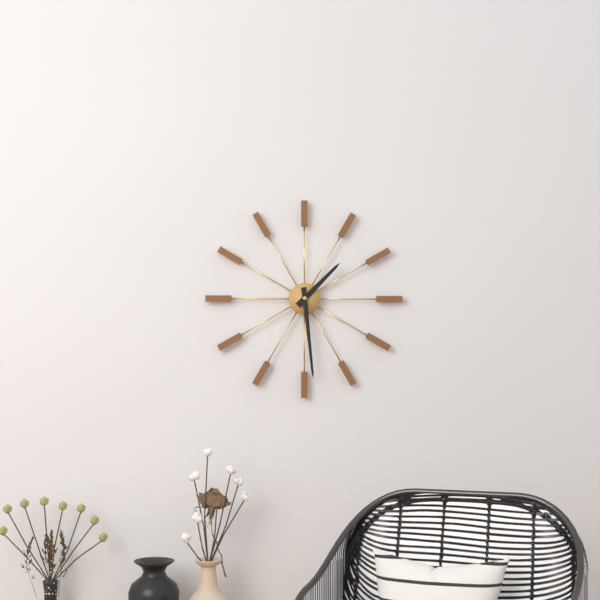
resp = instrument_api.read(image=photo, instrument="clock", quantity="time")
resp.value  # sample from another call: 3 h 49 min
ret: 1 h 29 min
